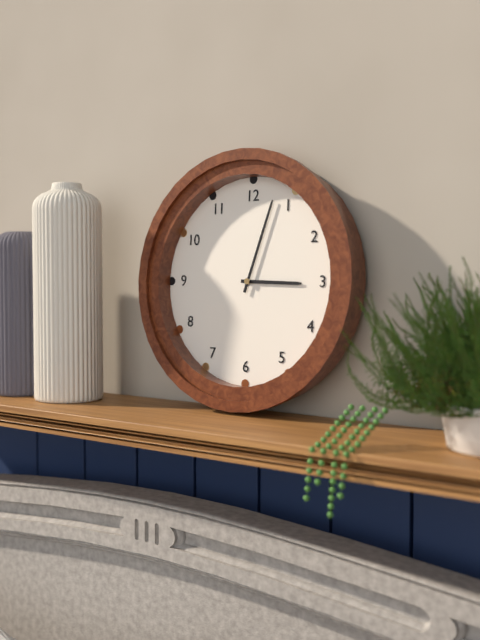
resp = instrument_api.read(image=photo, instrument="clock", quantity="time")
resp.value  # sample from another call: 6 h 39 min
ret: 3 h 03 min
